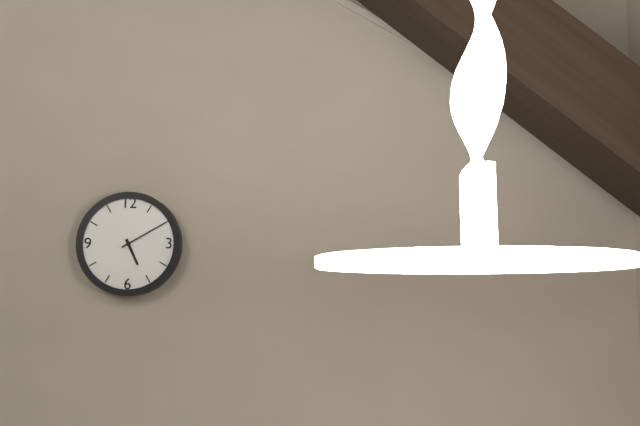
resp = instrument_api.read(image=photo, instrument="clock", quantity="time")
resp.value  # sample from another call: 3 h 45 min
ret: 5 h 10 min
